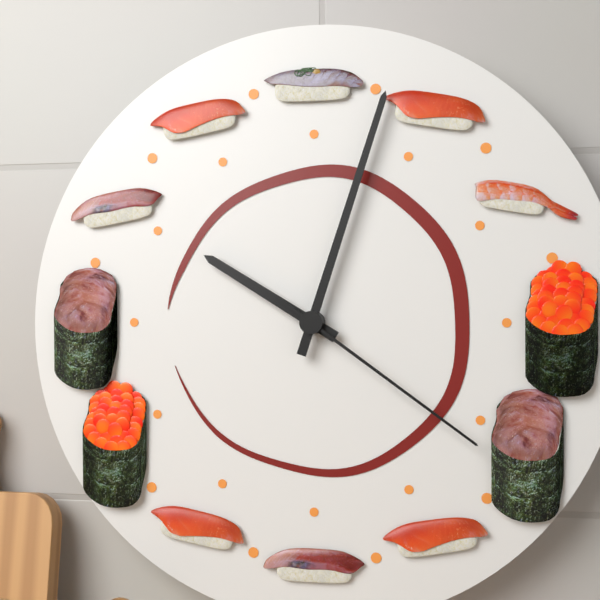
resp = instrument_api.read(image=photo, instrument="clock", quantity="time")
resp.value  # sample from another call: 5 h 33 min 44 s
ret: 10 h 03 min 21 s
